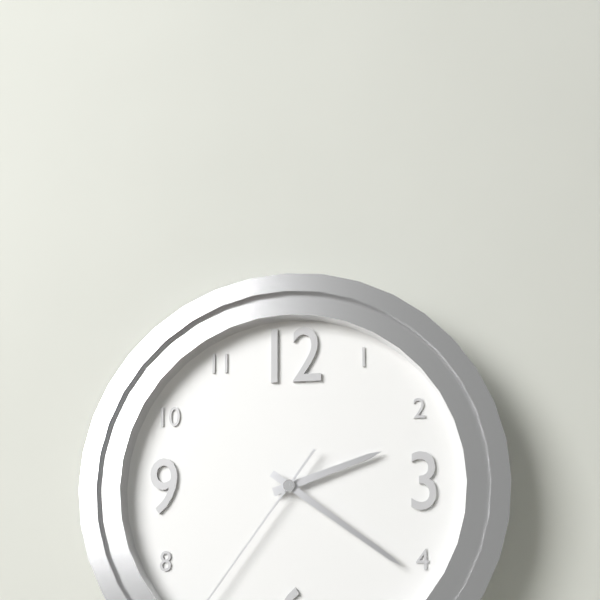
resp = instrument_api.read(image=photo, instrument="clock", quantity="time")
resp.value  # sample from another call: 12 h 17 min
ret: 2 h 21 min
